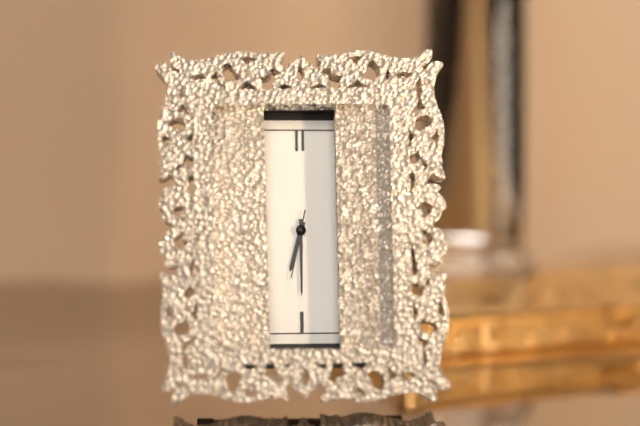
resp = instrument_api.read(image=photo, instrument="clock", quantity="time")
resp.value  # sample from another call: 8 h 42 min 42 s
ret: 6 h 30 min 32 s
